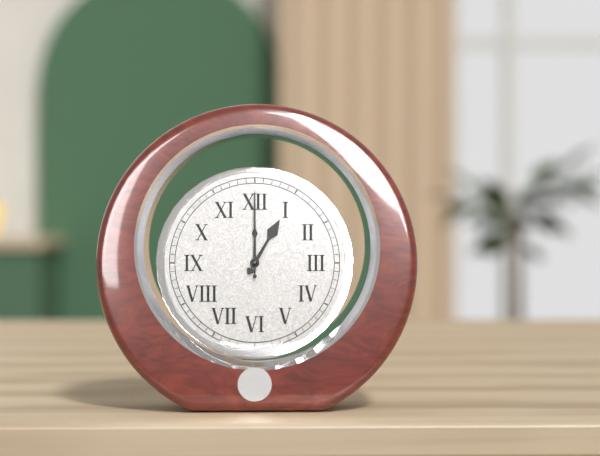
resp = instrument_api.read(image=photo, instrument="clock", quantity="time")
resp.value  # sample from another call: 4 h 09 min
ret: 1 h 00 min
